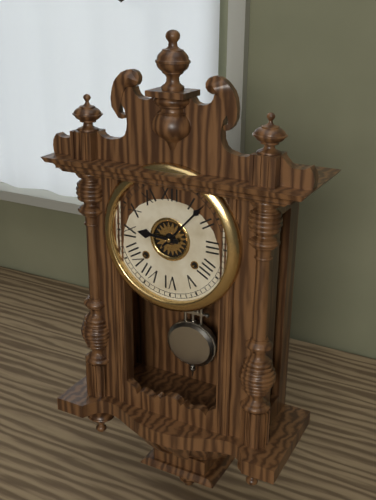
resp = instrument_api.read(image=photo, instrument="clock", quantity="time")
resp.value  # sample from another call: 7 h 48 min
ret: 9 h 07 min
